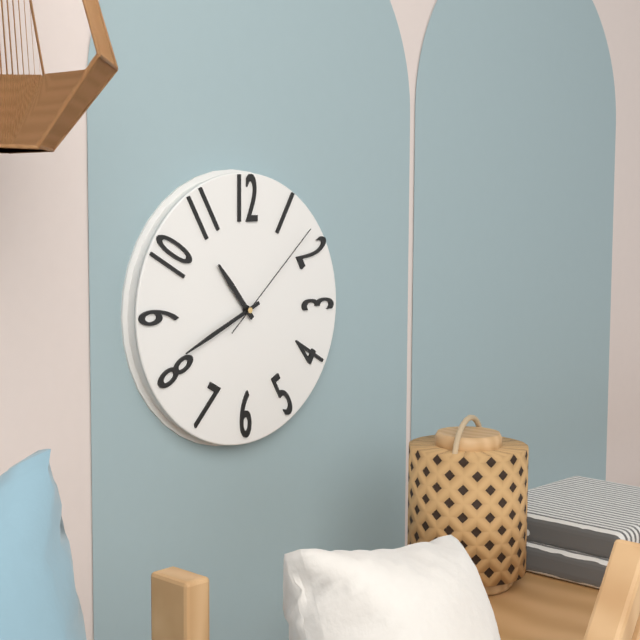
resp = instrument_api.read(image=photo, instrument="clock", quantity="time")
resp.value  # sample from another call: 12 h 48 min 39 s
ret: 10 h 41 min 08 s
